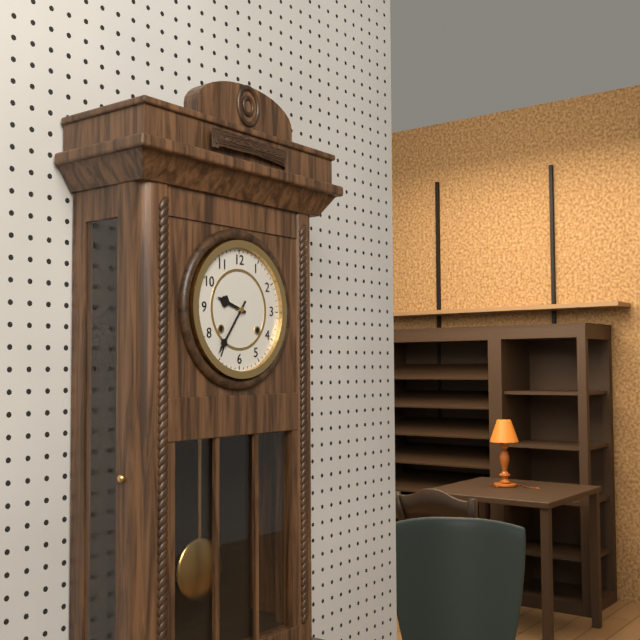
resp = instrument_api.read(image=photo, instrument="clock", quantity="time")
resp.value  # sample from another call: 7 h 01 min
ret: 9 h 36 min
